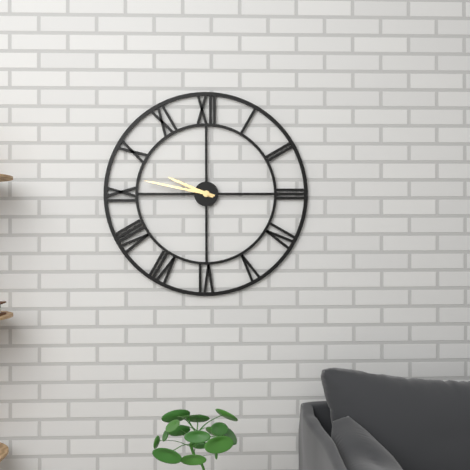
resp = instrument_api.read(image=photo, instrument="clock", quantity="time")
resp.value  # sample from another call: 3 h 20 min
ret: 9 h 47 min
